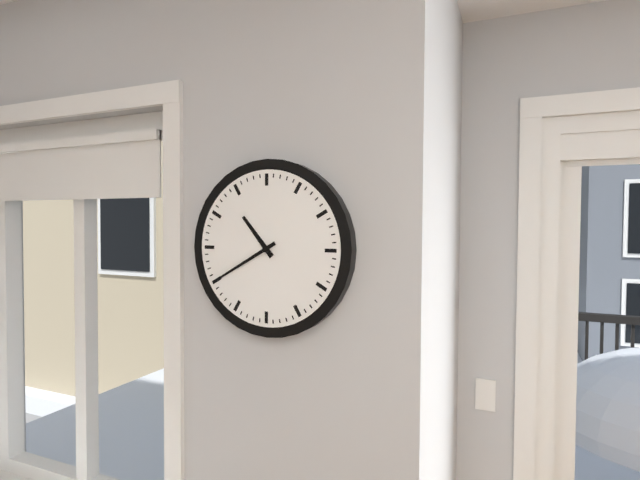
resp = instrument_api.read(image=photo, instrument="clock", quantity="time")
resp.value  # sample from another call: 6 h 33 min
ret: 10 h 40 min
